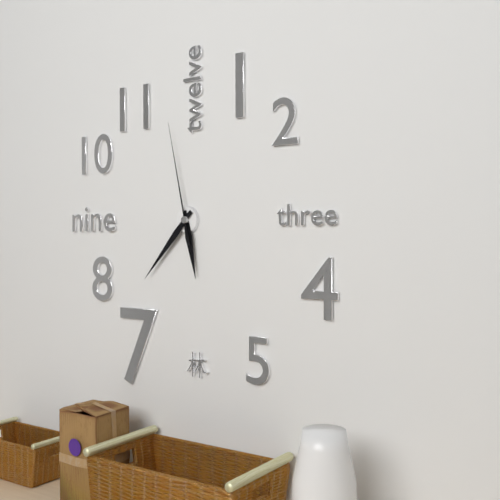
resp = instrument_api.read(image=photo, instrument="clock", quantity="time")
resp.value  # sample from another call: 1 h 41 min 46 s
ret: 5 h 37 min 58 s
